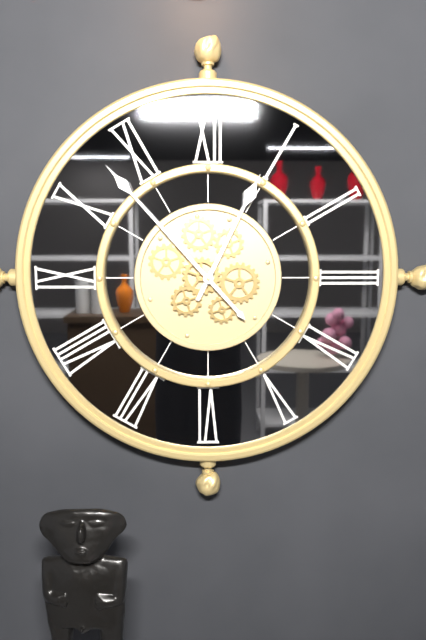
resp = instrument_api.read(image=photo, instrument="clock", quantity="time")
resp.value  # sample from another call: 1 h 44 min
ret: 12 h 53 min
